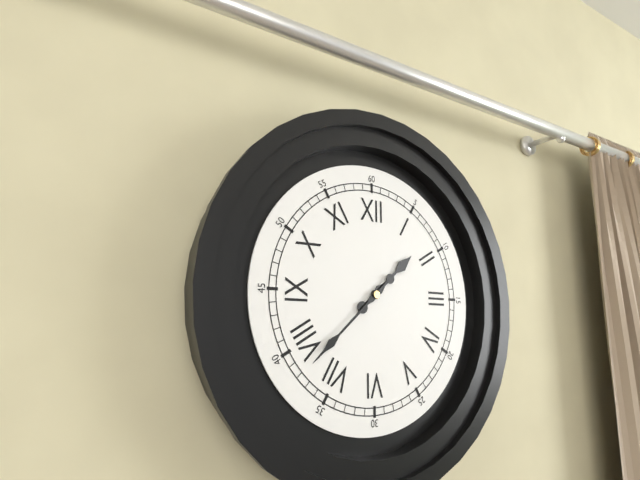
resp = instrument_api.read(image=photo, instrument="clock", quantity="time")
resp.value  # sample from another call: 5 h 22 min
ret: 1 h 38 min
